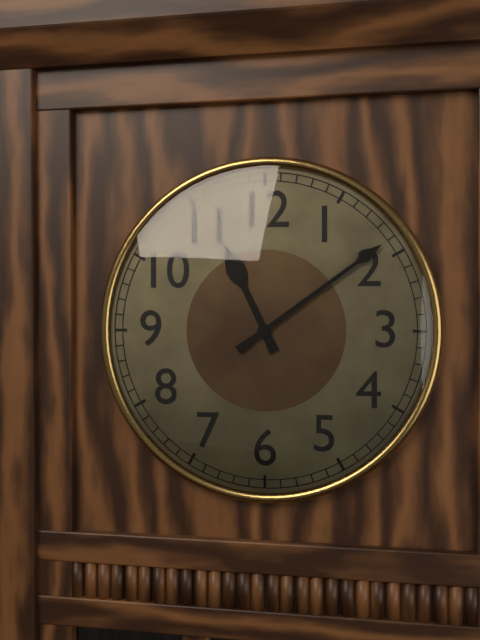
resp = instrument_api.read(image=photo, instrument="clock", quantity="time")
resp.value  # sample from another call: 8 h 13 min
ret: 11 h 09 min
